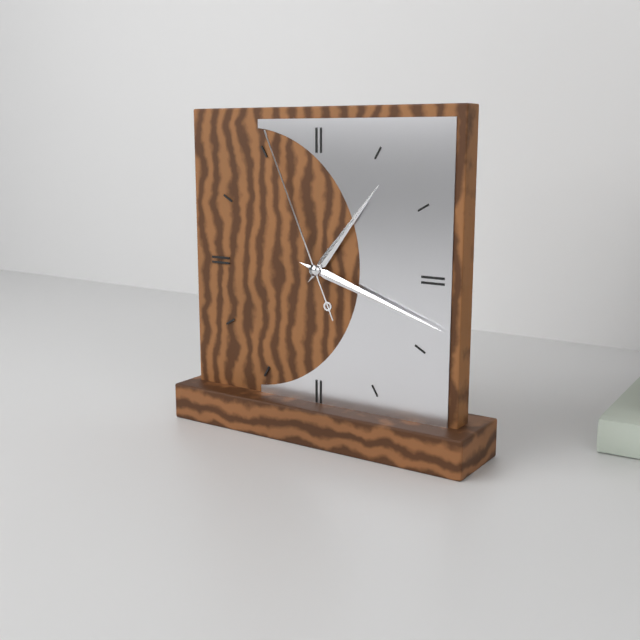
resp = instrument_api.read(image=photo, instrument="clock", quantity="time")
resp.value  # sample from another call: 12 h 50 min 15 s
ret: 1 h 18 min 56 s
